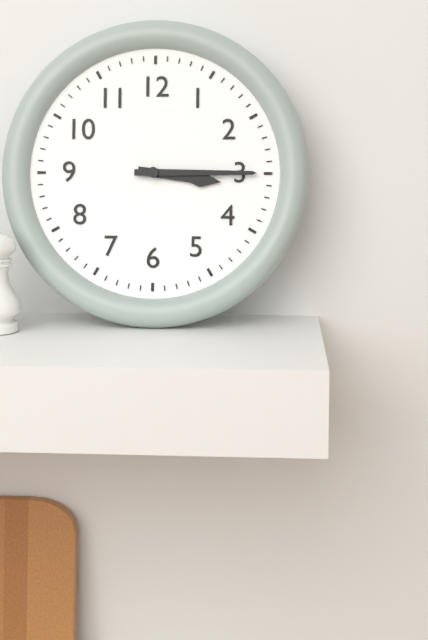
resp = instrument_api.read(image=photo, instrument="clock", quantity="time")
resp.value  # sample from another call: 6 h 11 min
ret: 3 h 15 min
